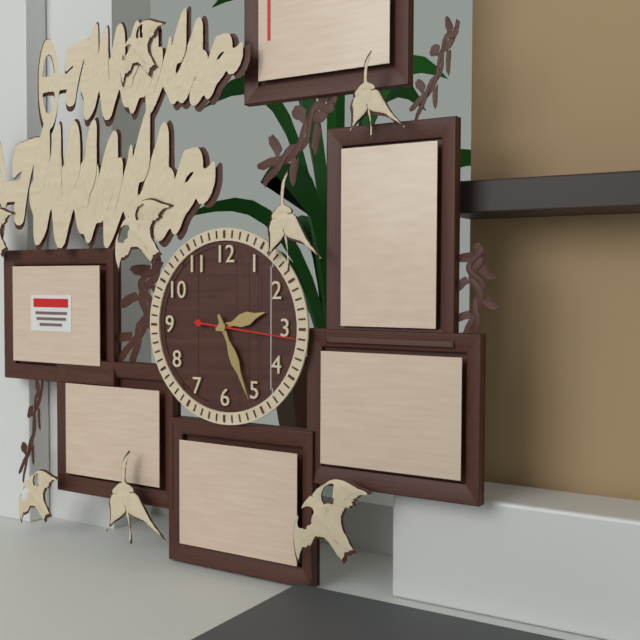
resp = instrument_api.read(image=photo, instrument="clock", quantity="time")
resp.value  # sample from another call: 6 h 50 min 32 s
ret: 2 h 26 min 16 s
